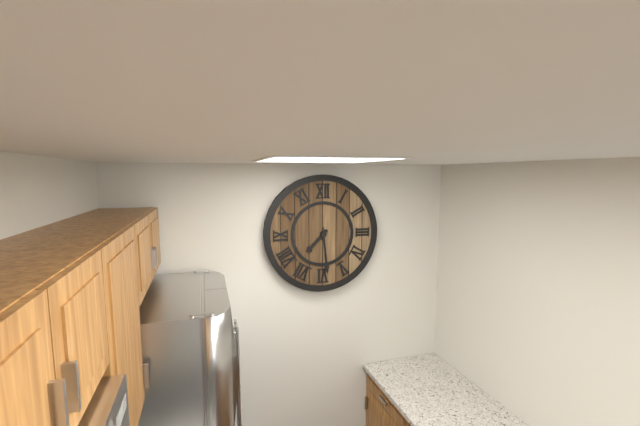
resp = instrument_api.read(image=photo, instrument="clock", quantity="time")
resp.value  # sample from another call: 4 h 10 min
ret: 7 h 29 min
